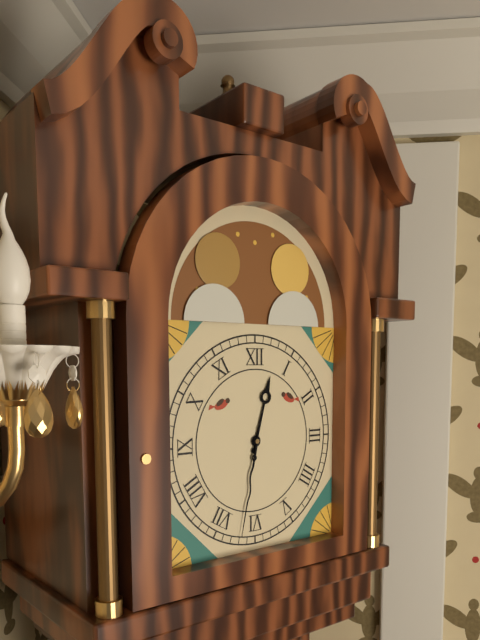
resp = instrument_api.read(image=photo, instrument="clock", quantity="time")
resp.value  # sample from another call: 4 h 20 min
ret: 12 h 32 min
